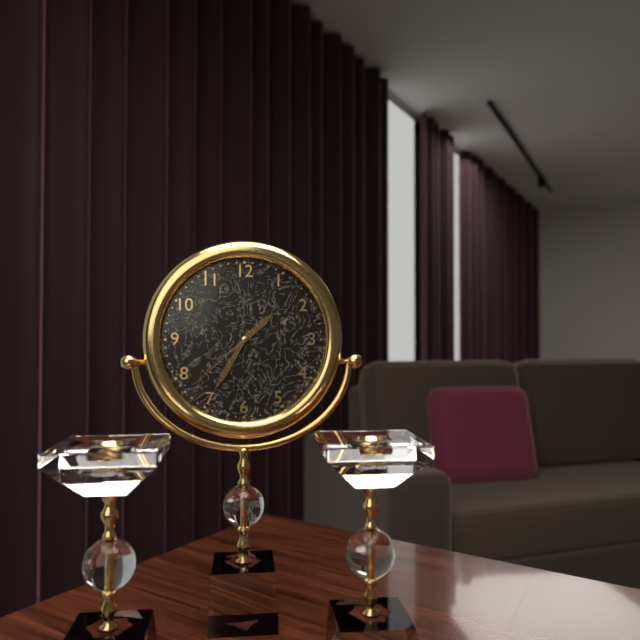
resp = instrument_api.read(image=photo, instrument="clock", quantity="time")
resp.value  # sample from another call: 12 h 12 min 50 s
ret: 1 h 35 min 38 s
